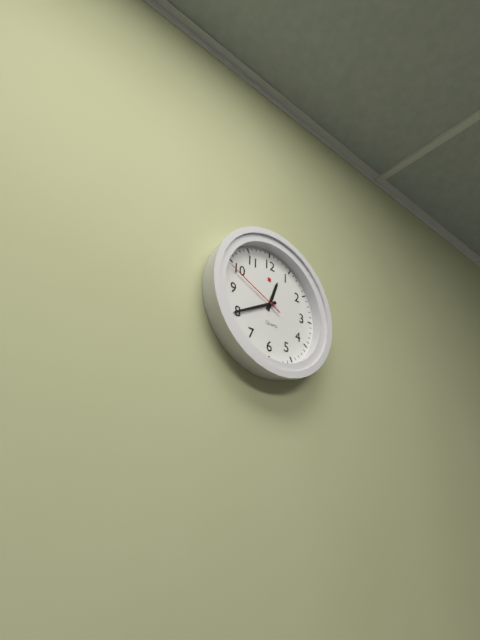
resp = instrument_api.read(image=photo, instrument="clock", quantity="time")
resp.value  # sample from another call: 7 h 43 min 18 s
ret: 12 h 40 min 49 s
